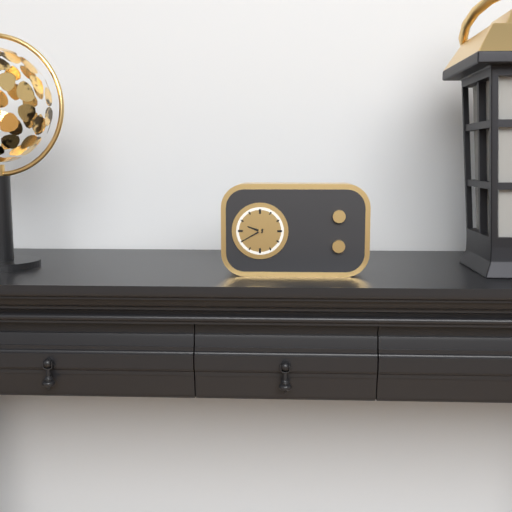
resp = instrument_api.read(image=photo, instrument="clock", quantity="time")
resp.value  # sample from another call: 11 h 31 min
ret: 9 h 40 min
